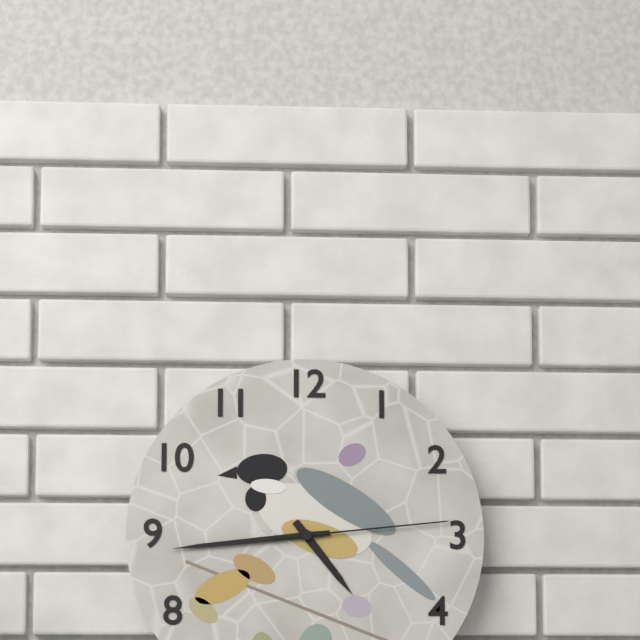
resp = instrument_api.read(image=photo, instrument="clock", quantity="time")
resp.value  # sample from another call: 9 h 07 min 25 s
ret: 4 h 44 min 14 s
